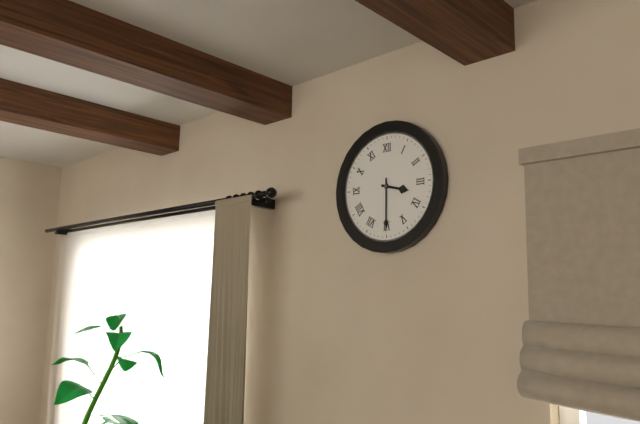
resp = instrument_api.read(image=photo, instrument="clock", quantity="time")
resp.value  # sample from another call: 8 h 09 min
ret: 3 h 30 min
